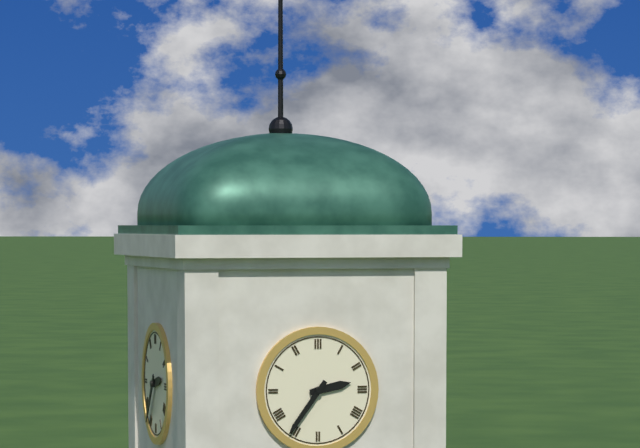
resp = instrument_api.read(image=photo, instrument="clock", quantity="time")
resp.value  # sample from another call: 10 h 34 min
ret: 2 h 36 min
